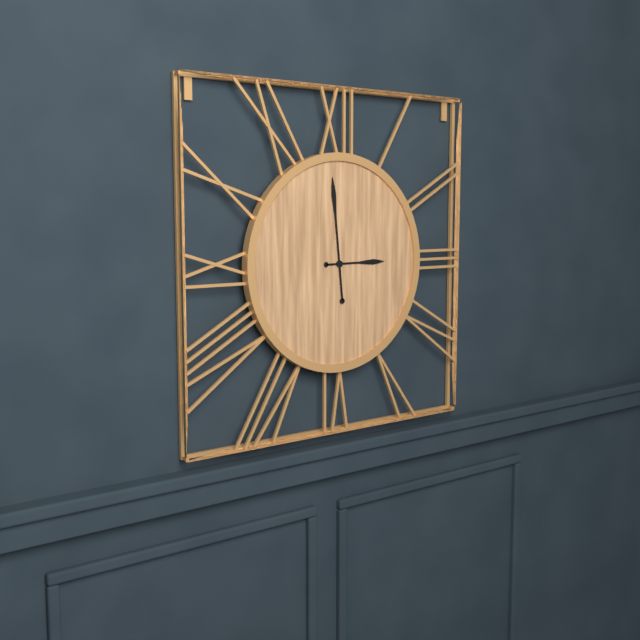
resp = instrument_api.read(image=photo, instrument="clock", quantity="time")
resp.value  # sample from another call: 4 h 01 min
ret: 2 h 59 min
